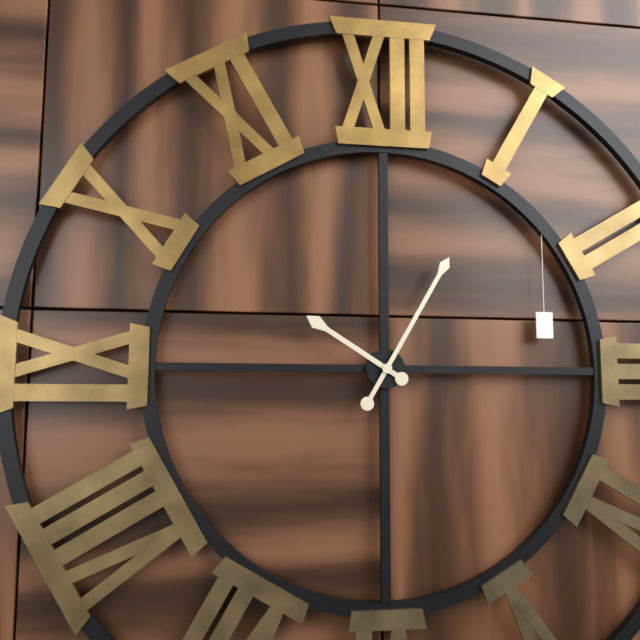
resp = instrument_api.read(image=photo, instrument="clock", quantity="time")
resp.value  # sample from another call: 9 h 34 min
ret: 10 h 05 min
